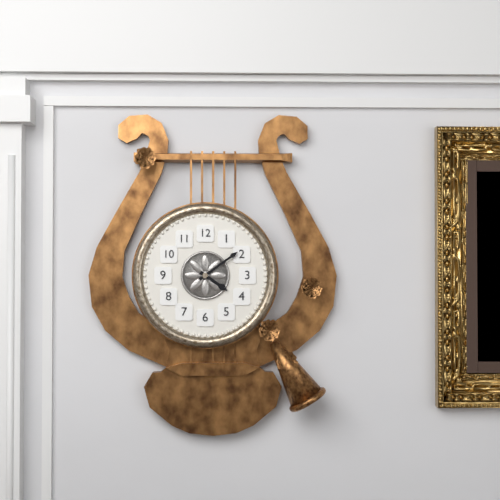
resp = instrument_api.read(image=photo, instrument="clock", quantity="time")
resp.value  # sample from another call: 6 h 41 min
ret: 4 h 09 min
